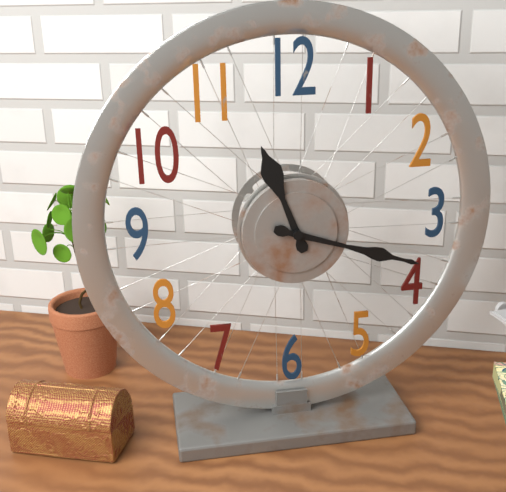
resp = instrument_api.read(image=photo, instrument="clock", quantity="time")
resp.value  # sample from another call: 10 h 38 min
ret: 11 h 18 min
